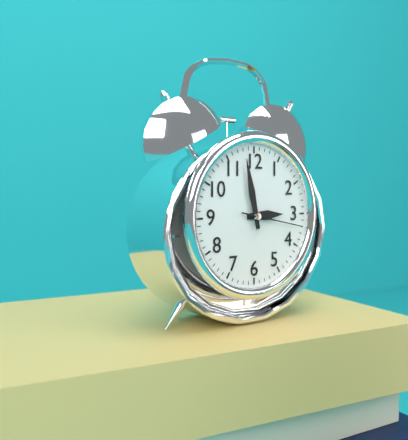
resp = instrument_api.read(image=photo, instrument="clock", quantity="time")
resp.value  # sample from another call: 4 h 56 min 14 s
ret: 2 h 58 min 17 s
